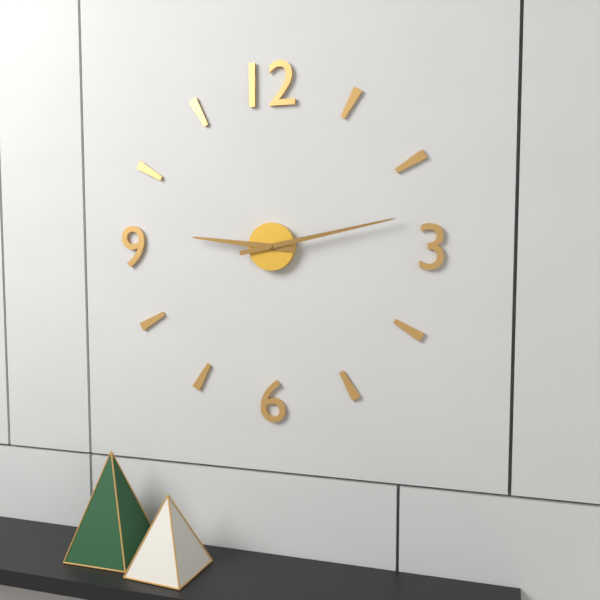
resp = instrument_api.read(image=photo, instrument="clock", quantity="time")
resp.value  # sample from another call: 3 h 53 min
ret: 9 h 13 min
